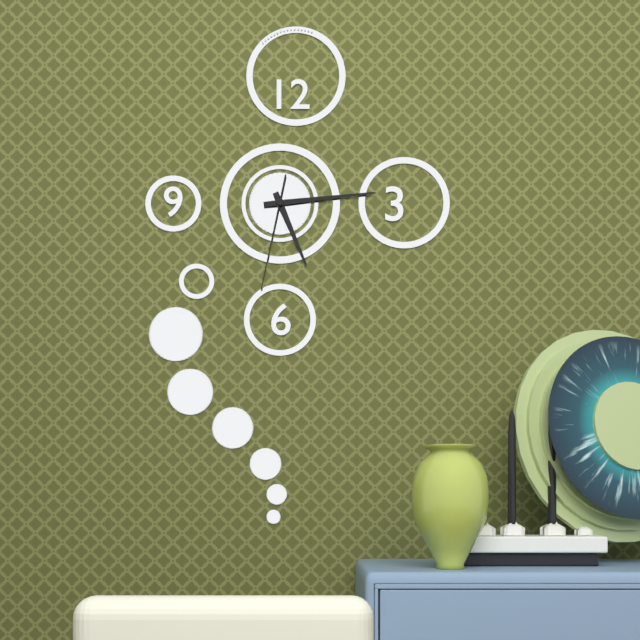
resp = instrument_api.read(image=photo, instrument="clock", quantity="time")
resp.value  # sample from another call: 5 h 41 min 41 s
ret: 5 h 14 min 32 s
